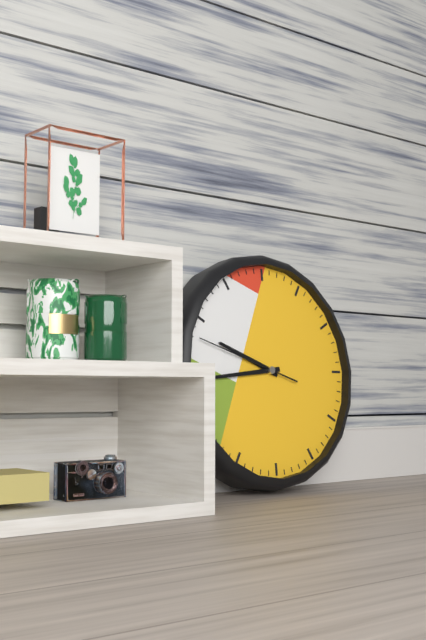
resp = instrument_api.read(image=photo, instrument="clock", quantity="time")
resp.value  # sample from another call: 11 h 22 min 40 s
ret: 9 h 44 min 48 s
